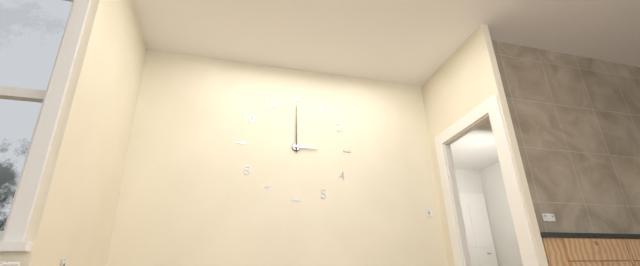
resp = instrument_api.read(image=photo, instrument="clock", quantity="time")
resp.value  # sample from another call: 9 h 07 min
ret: 3 h 00 min
